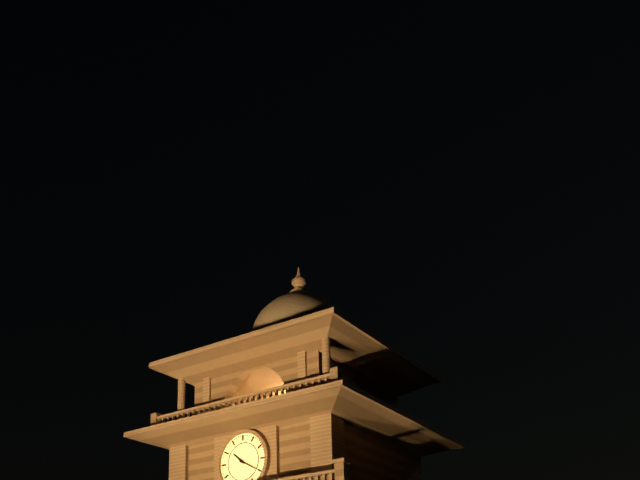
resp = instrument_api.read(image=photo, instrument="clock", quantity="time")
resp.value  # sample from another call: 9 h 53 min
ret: 10 h 20 min
